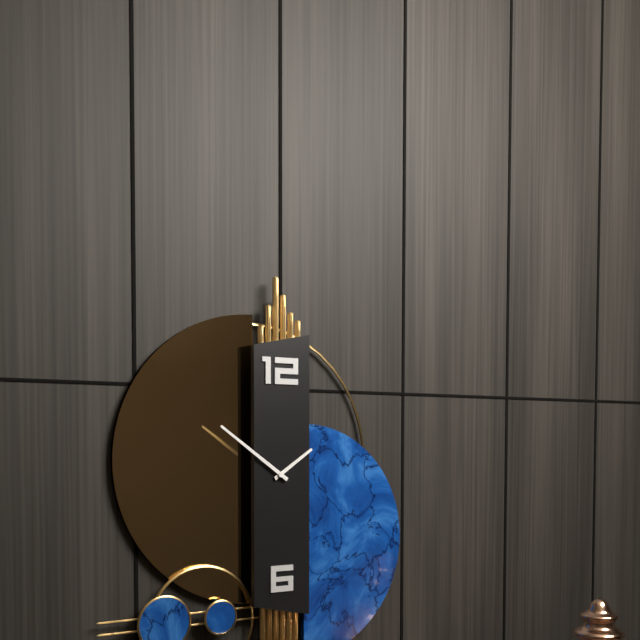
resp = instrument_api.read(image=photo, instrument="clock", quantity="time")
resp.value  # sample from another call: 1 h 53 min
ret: 1 h 51 min
